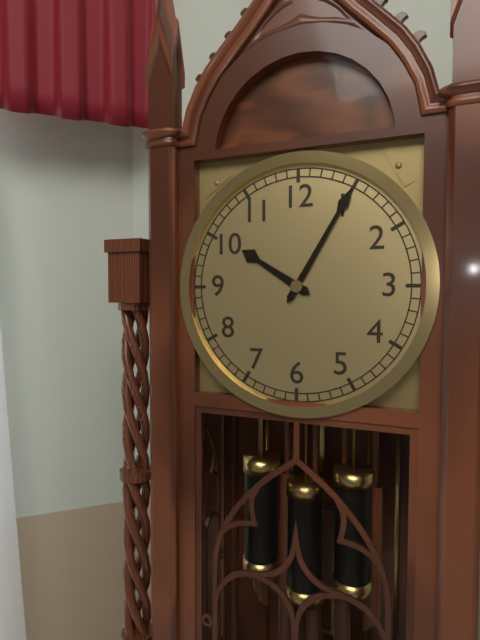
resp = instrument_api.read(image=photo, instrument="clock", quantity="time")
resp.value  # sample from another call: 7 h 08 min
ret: 10 h 05 min
